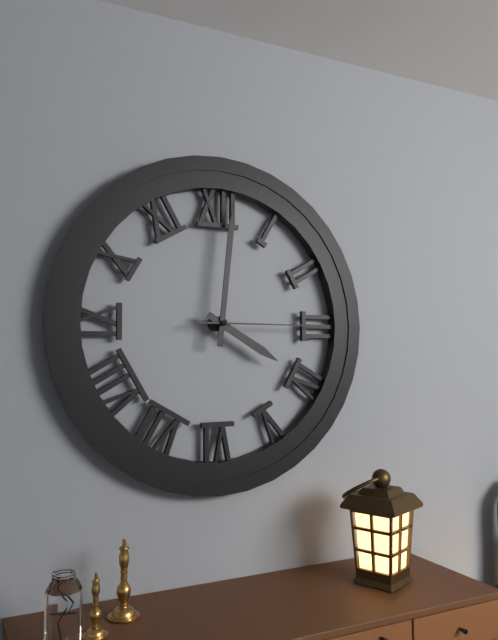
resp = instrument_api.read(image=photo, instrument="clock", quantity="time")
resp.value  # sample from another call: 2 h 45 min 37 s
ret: 4 h 01 min 15 s
